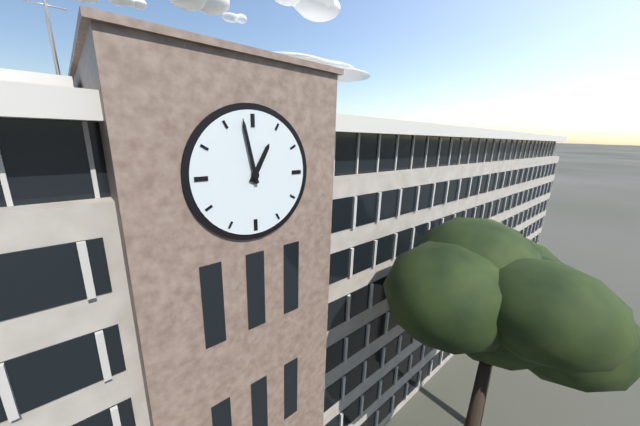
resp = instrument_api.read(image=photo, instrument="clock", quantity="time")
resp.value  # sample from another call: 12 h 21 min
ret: 12 h 58 min
